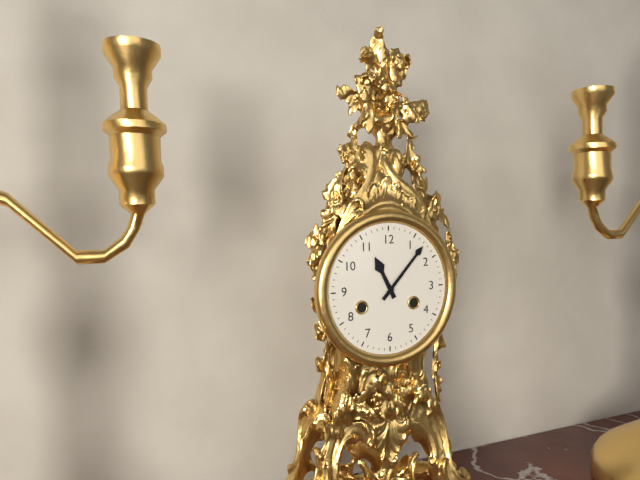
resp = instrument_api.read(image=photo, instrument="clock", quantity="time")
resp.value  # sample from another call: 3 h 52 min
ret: 11 h 07 min
